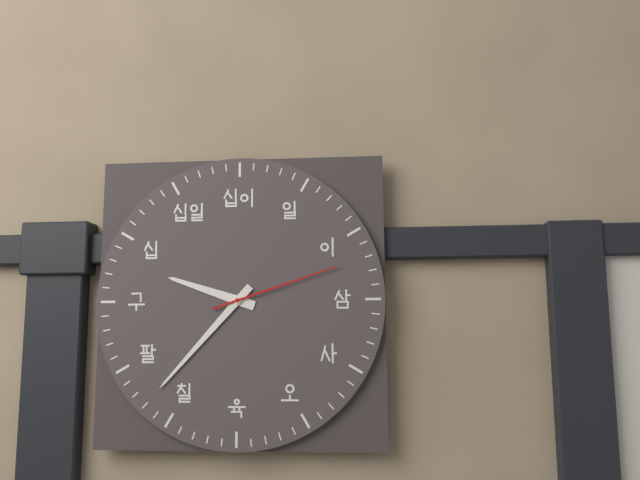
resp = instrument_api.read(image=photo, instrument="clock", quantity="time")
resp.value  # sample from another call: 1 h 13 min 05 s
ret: 9 h 37 min 12 s
